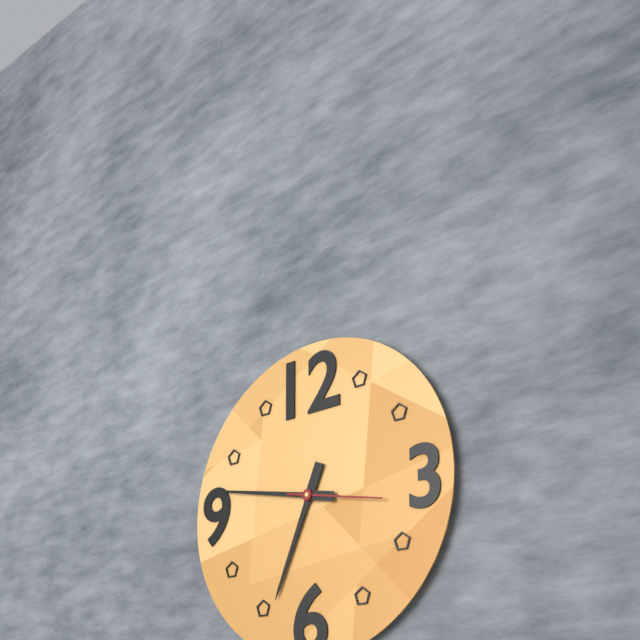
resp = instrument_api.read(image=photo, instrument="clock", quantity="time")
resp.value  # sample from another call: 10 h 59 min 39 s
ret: 6 h 47 min 17 s
